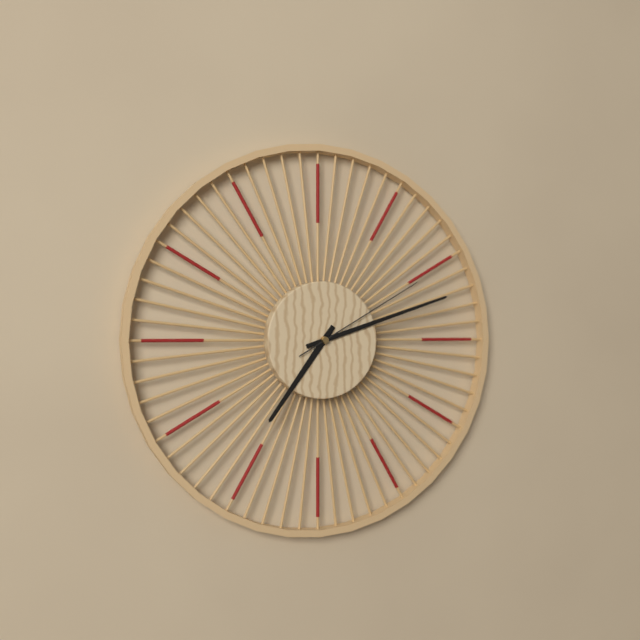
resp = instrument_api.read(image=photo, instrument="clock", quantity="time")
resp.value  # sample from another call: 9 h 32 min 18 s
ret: 7 h 12 min 10 s
